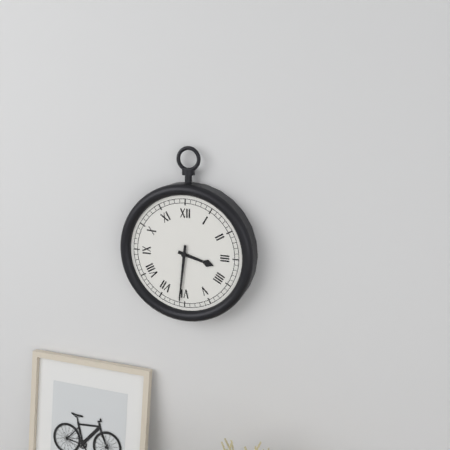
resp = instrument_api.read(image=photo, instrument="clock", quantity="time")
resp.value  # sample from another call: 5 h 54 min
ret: 3 h 31 min
